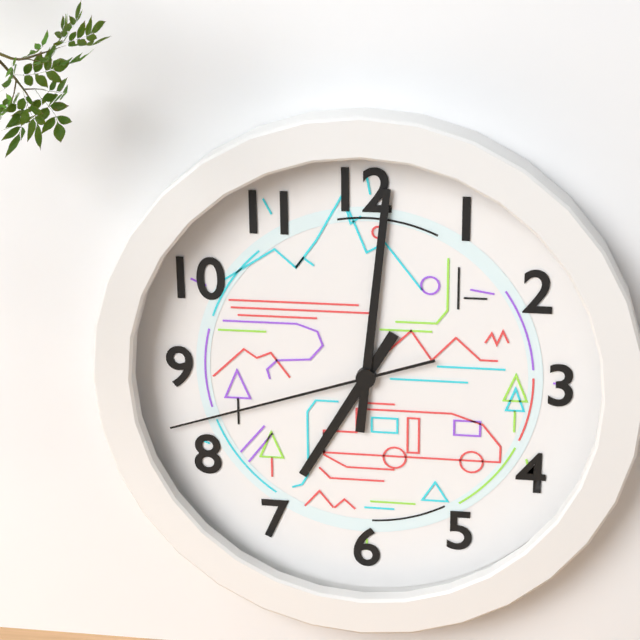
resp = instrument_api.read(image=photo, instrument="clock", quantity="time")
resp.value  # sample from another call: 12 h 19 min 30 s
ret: 7 h 01 min 42 s
